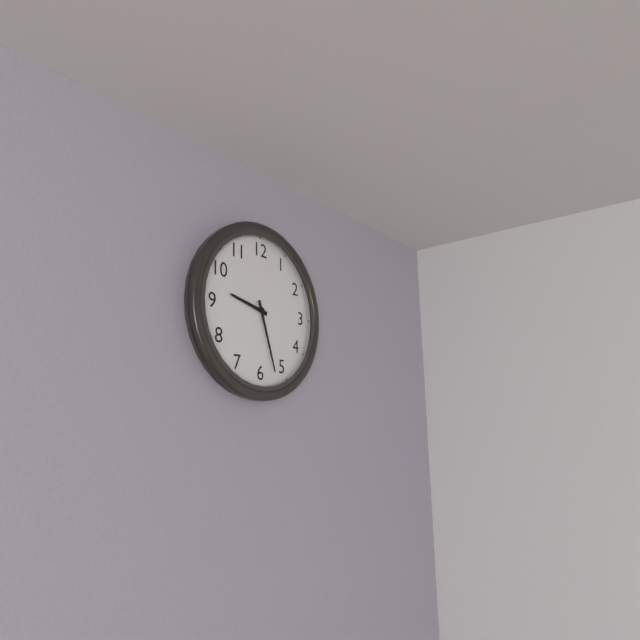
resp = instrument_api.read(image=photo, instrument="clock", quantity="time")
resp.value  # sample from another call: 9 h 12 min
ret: 9 h 27 min
